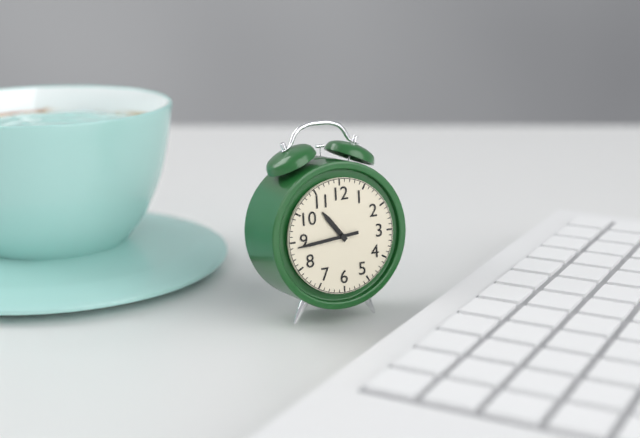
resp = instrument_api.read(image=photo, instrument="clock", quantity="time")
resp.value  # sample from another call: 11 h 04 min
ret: 10 h 44 min
